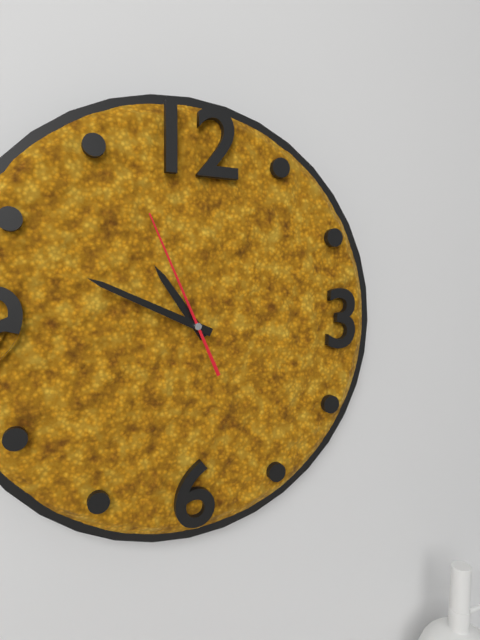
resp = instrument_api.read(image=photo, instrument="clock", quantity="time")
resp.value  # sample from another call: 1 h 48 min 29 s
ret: 10 h 49 min 56 s
